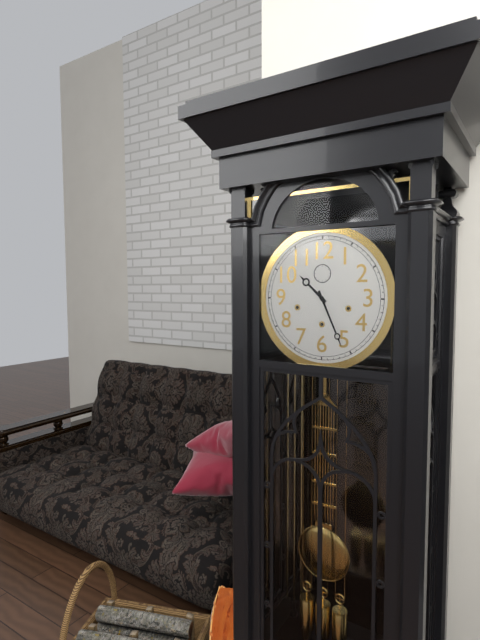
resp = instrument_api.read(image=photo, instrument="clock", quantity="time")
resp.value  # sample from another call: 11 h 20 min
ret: 10 h 26 min
